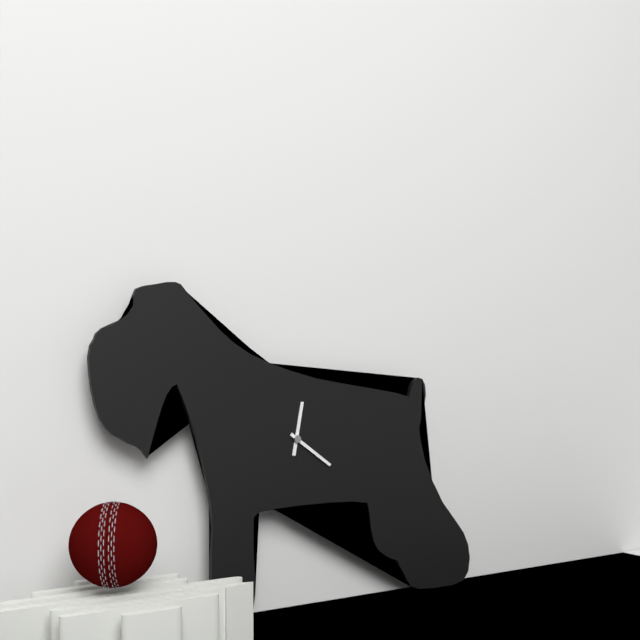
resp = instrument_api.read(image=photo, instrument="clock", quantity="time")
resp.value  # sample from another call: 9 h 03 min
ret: 12 h 21 min
